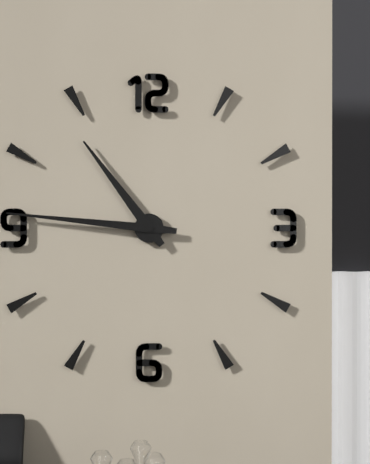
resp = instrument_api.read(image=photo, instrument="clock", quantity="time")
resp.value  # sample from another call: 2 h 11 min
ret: 10 h 46 min
